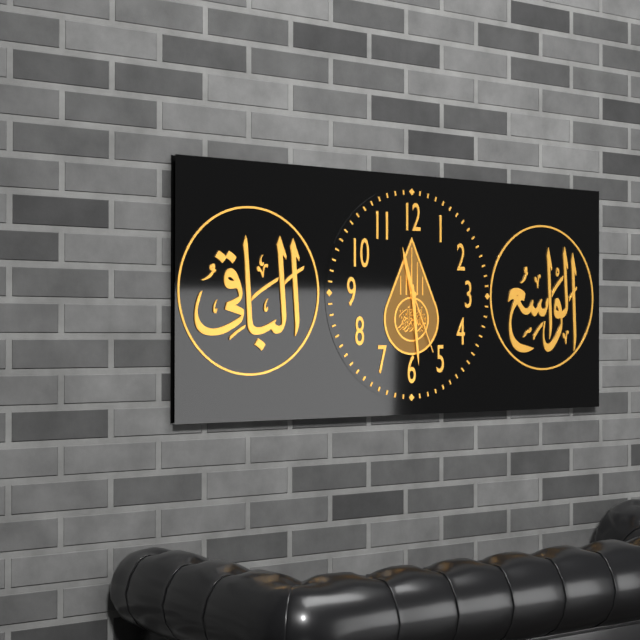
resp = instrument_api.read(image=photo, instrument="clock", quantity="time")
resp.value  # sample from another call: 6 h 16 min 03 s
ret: 11 h 29 min 26 s
